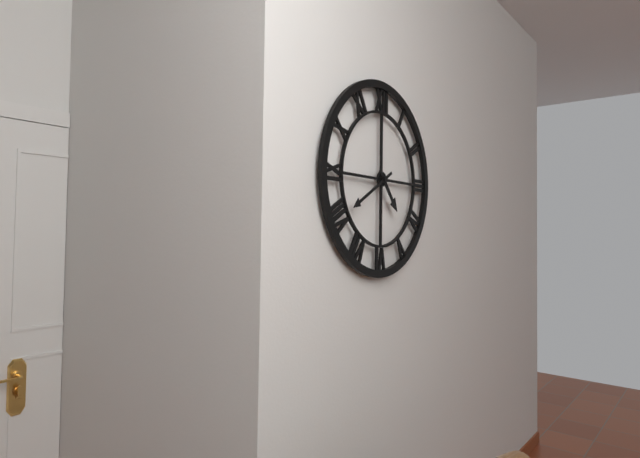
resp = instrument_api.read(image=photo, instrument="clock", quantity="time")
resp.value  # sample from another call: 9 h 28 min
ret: 4 h 40 min
